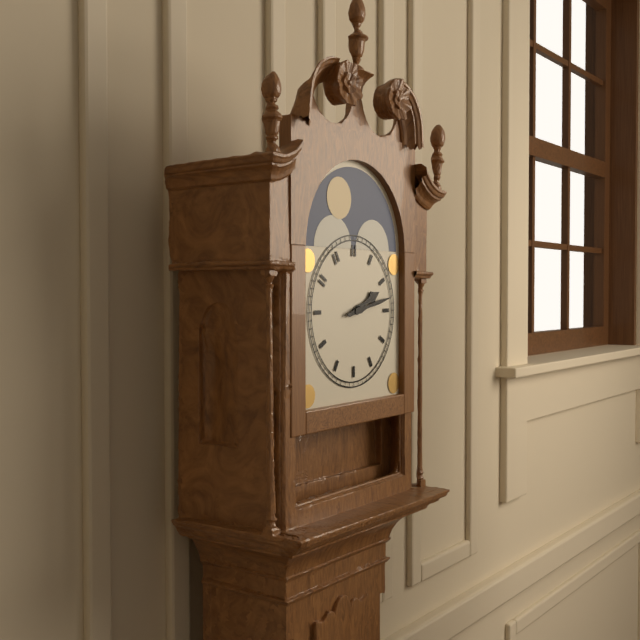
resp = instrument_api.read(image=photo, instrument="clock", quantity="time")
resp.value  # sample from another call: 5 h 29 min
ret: 2 h 13 min
